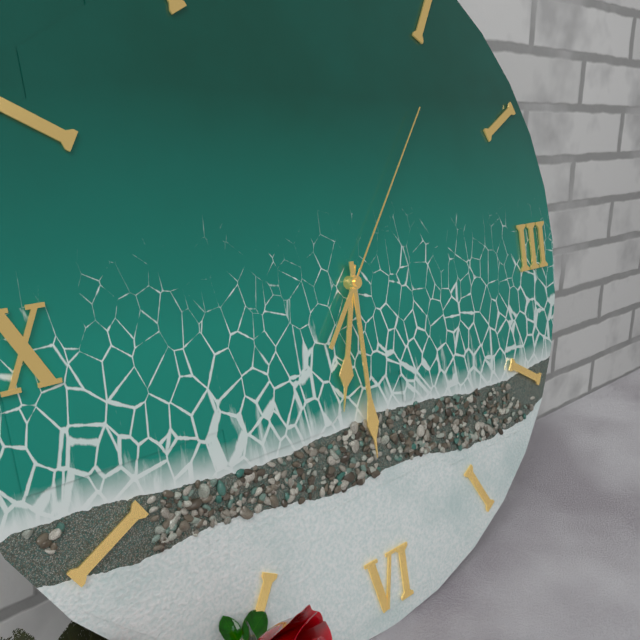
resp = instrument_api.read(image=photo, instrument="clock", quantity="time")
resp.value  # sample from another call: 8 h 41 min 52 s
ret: 6 h 30 min 06 s
